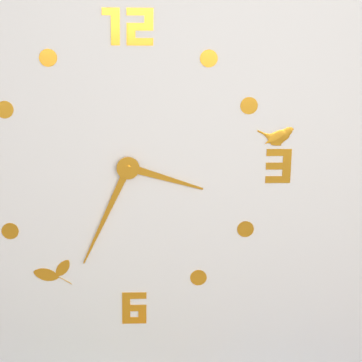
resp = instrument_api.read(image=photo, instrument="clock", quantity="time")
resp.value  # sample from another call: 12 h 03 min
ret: 3 h 34 min
